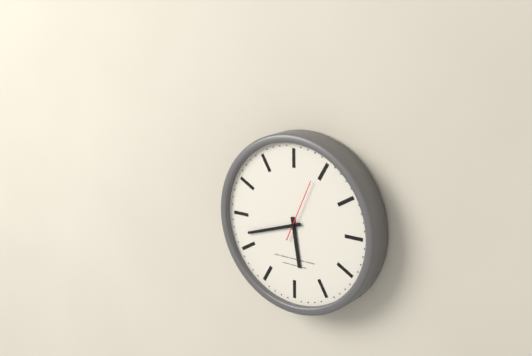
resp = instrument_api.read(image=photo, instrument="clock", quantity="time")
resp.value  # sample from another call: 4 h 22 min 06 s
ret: 5 h 42 min 04 s
